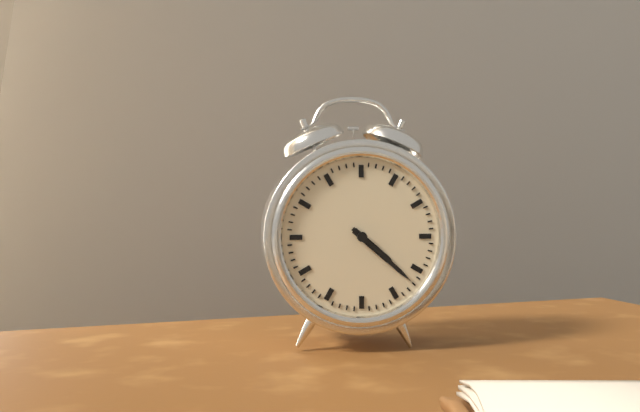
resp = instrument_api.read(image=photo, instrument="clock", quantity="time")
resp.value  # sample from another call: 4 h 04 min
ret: 4 h 22 min
